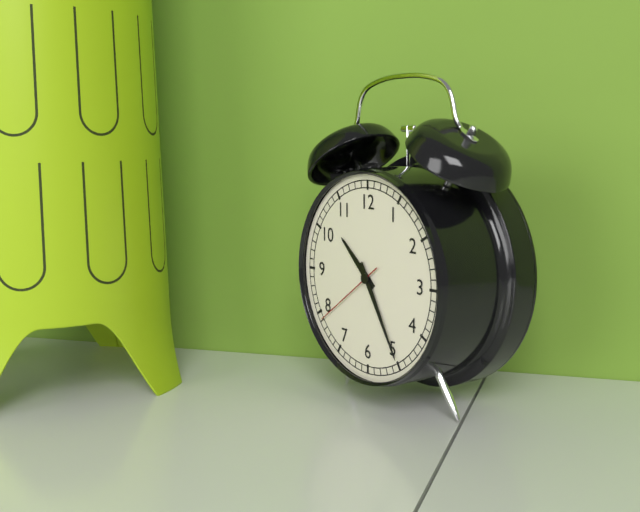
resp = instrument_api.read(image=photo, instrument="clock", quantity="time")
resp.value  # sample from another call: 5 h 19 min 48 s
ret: 10 h 25 min 39 s
